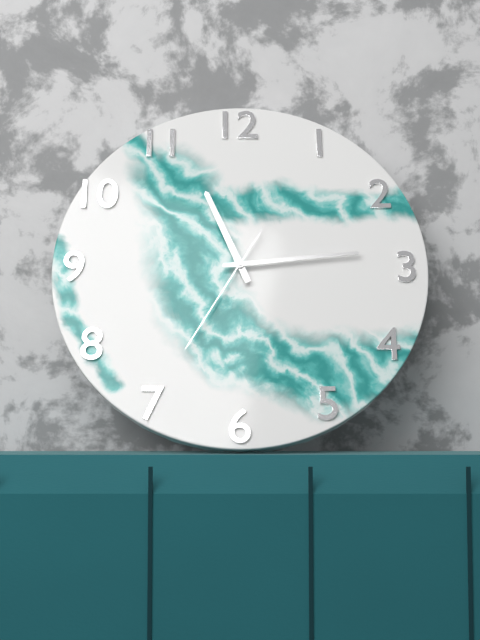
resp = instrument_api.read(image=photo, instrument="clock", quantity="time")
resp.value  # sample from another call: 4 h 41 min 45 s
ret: 11 h 14 min 35 s
